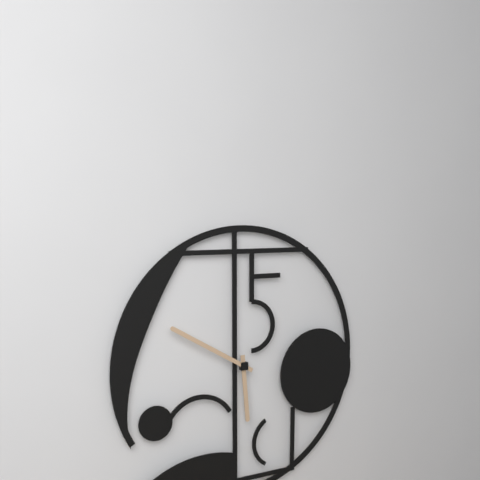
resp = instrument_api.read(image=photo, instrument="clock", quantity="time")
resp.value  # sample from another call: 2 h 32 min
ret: 5 h 50 min
